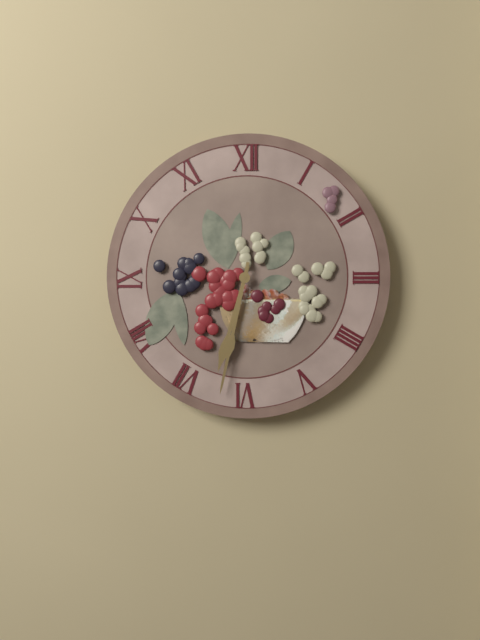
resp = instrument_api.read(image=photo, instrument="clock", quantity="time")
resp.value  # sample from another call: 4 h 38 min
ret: 6 h 32 min
